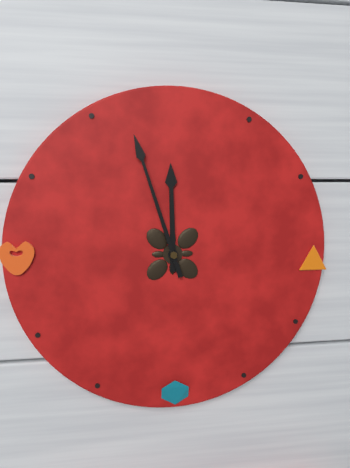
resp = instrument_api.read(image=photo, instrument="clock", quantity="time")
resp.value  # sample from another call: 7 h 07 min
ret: 11 h 57 min
